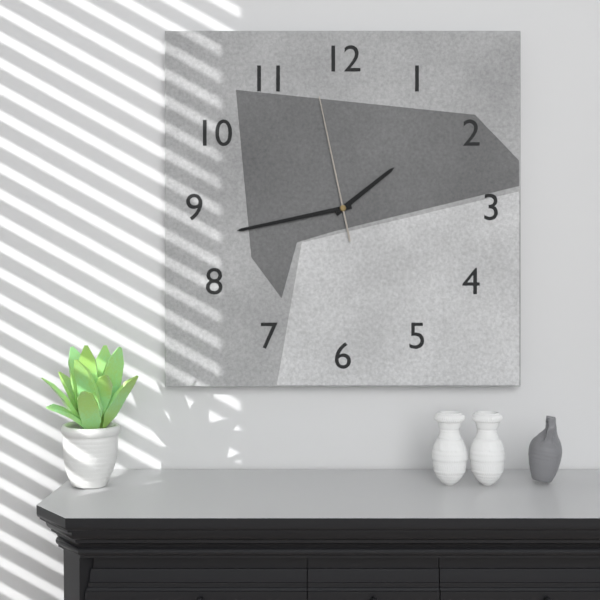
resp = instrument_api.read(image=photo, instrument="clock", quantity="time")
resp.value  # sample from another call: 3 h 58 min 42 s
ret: 1 h 43 min 58 s
